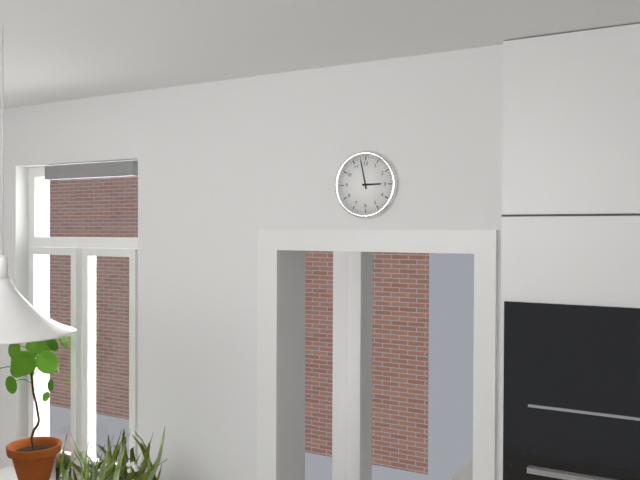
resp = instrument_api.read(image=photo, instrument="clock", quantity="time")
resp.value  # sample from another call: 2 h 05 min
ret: 2 h 58 min
